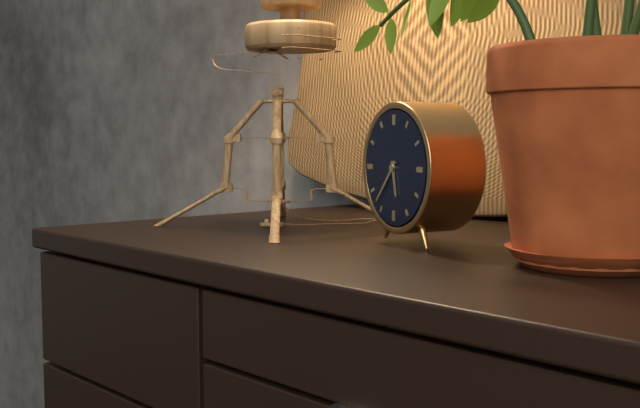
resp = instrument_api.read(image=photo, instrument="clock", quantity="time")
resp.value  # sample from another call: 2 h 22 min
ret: 5 h 37 min
